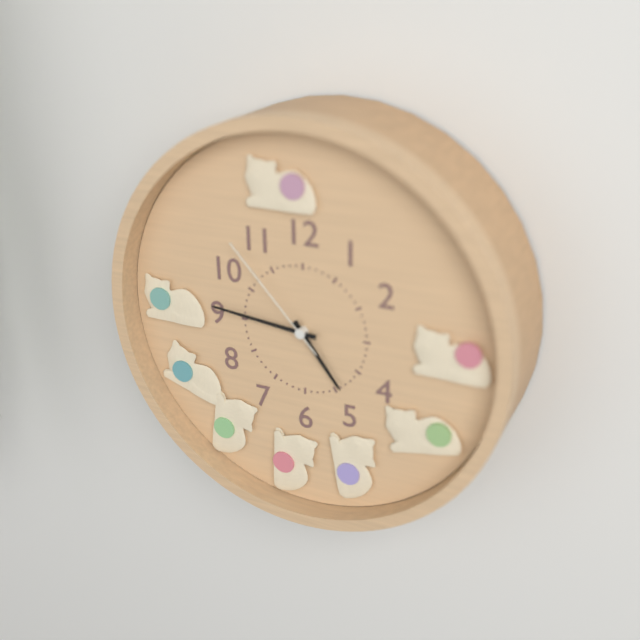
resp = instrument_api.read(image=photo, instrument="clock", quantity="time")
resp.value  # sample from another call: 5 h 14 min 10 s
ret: 4 h 46 min 53 s
